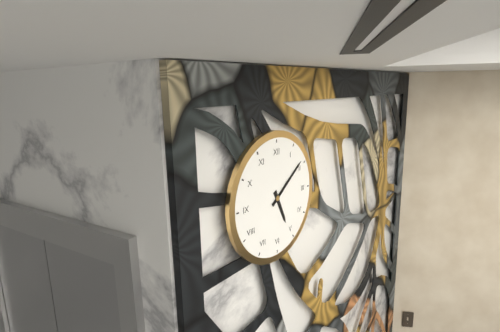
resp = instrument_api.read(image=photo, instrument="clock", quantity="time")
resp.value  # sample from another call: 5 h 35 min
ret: 5 h 09 min
